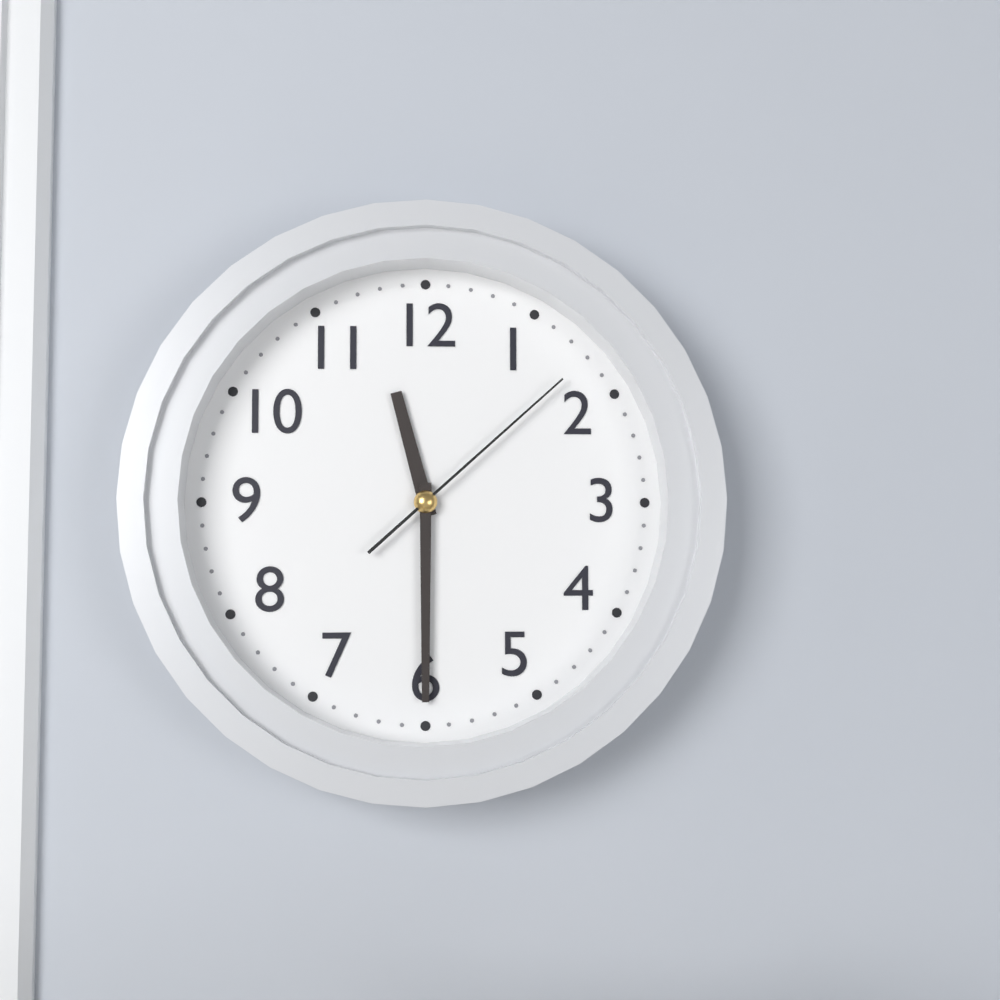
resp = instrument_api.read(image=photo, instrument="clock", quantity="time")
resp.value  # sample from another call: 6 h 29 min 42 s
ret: 11 h 30 min 08 s
